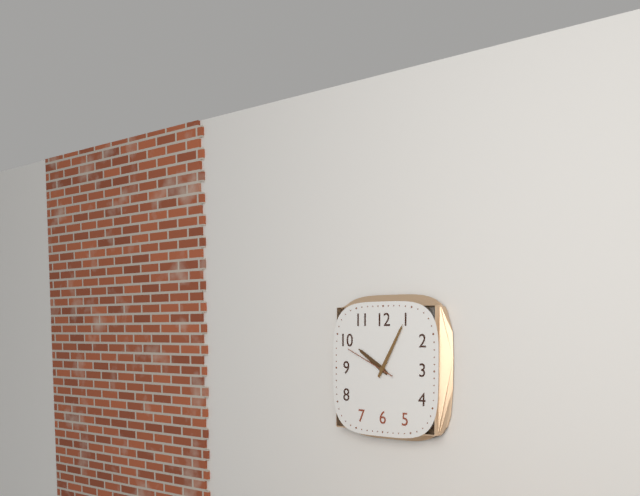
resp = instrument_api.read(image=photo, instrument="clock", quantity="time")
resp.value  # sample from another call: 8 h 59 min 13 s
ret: 10 h 05 min 49 s
